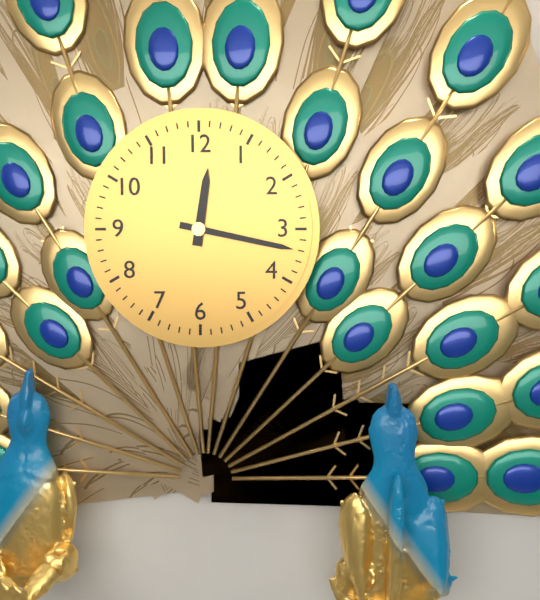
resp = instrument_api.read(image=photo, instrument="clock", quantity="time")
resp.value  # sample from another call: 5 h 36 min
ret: 12 h 17 min
